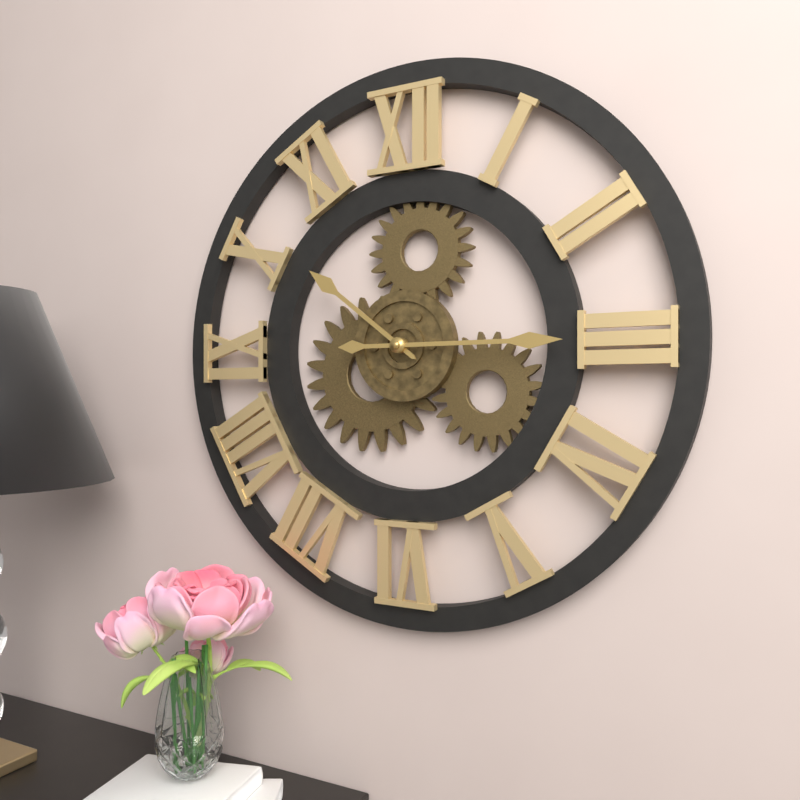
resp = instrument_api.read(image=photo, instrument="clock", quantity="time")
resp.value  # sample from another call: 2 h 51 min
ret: 10 h 15 min
